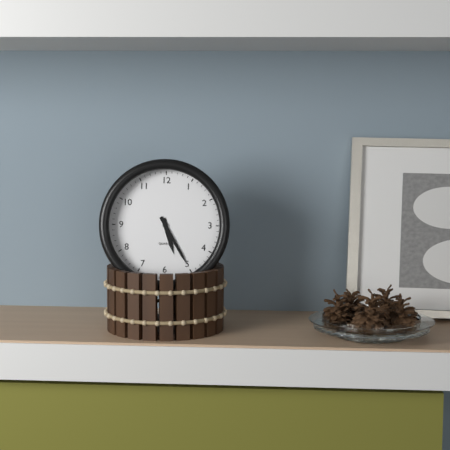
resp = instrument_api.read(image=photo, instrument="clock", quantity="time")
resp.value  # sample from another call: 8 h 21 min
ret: 5 h 25 min
